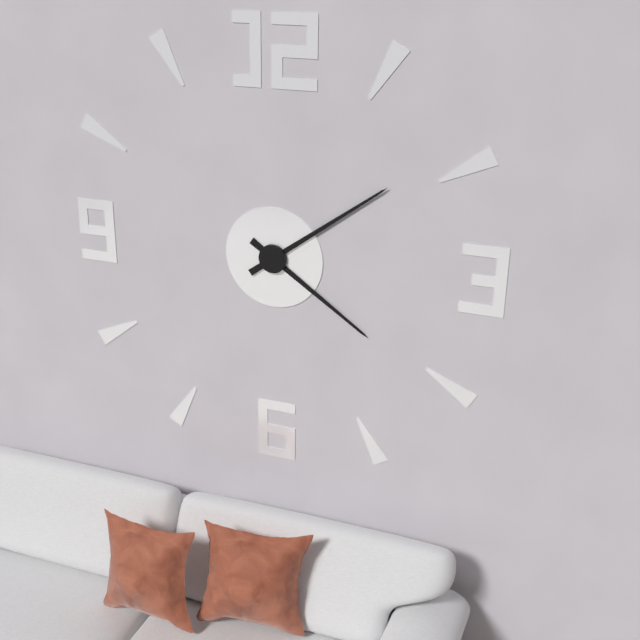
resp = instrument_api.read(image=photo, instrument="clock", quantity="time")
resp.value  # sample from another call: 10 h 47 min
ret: 4 h 09 min
